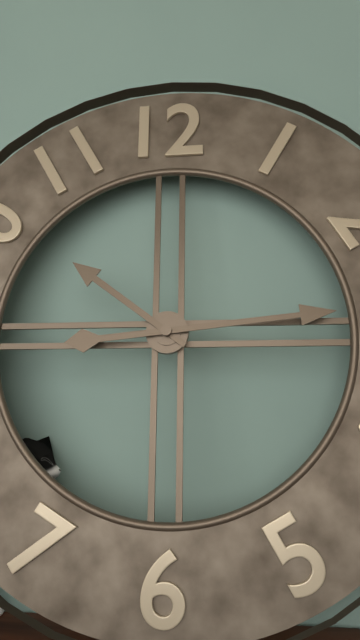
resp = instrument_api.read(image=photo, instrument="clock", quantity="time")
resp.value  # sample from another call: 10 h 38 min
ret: 10 h 14 min
